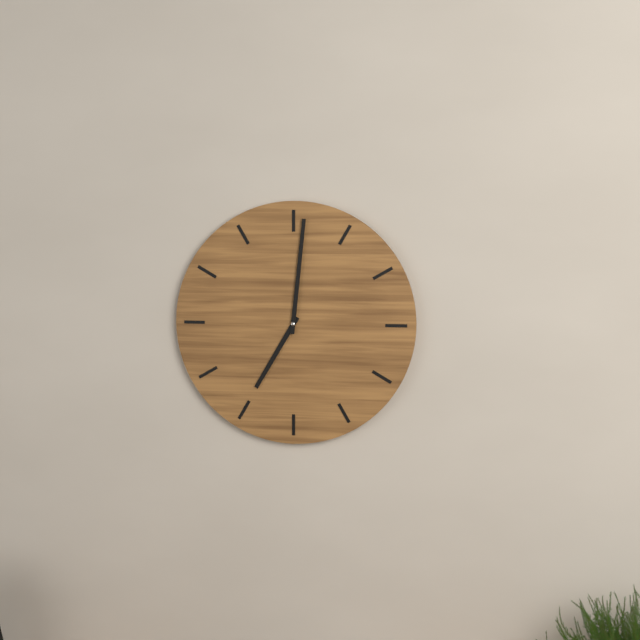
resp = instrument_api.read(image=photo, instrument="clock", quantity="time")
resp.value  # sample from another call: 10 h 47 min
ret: 7 h 01 min
